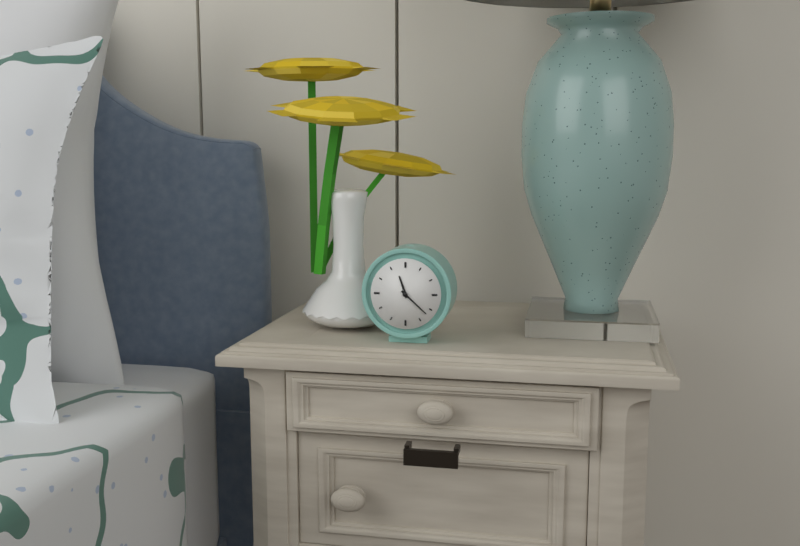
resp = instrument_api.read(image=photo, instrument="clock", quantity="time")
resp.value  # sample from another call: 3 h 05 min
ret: 11 h 22 min
